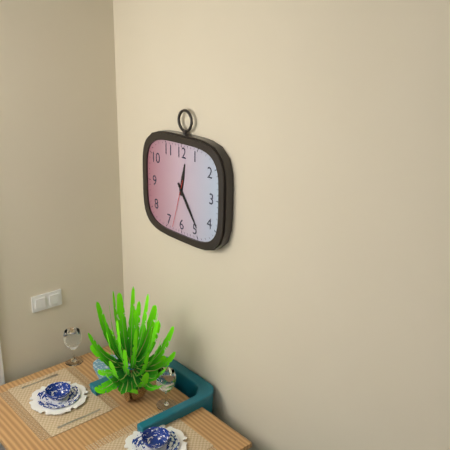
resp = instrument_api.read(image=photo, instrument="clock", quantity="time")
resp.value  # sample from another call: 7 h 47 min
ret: 12 h 24 min
